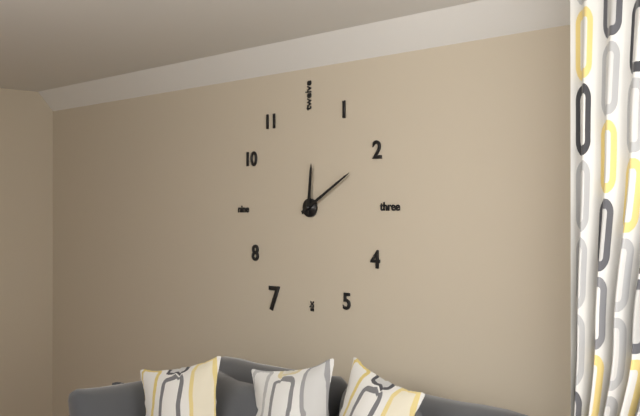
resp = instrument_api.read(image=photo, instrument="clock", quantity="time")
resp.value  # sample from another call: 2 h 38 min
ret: 12 h 10 min
